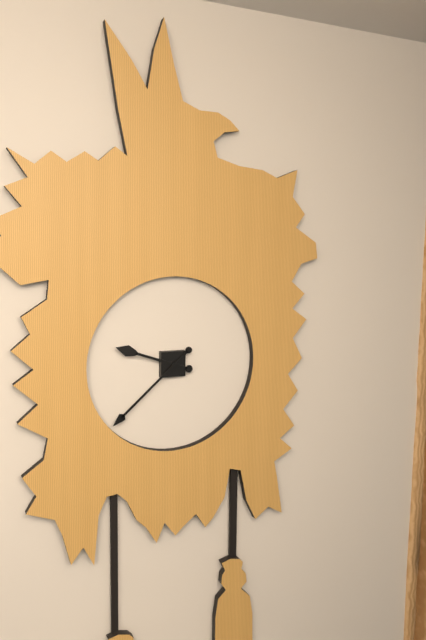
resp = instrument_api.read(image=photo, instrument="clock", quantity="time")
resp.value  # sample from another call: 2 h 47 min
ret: 9 h 38 min
